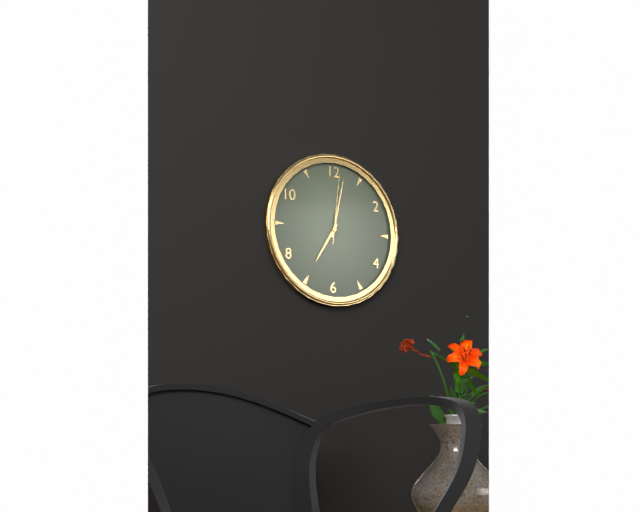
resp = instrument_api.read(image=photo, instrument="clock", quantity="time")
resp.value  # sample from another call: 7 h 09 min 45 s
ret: 7 h 02 min 01 s
